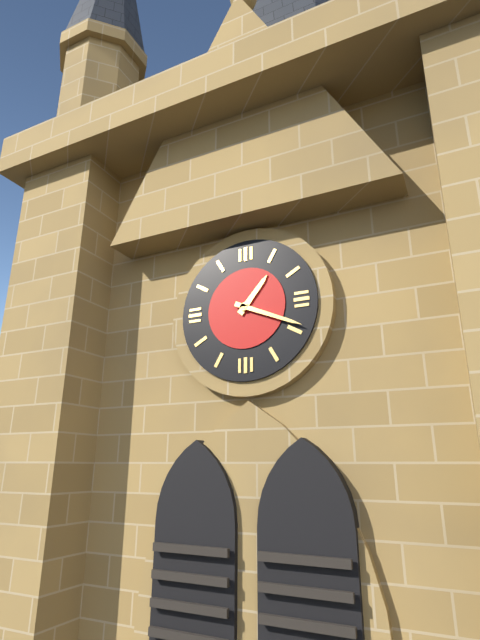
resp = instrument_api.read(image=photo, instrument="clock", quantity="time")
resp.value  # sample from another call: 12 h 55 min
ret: 1 h 19 min
